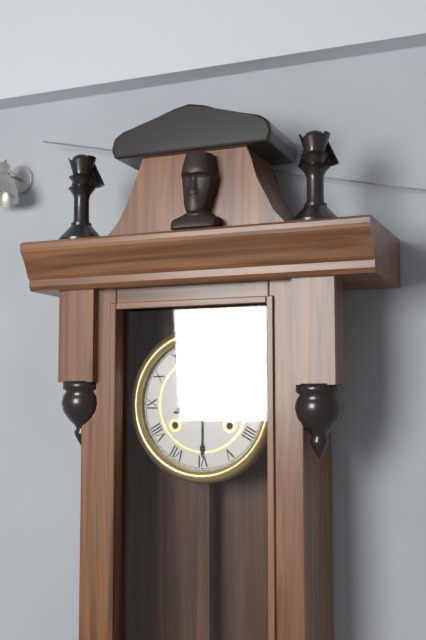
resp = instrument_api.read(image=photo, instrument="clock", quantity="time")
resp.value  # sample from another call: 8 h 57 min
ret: 8 h 30 min
